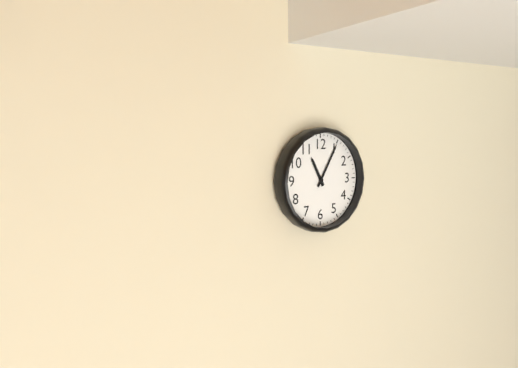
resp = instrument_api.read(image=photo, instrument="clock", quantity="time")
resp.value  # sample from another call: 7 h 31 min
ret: 11 h 05 min
